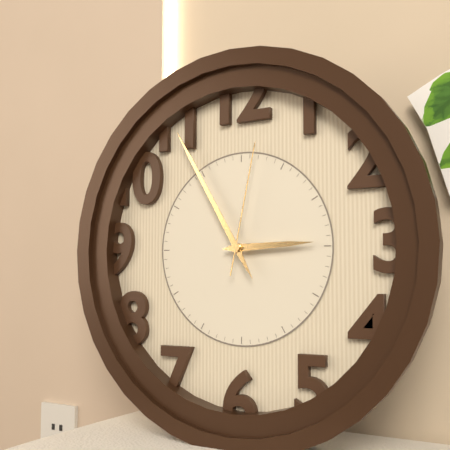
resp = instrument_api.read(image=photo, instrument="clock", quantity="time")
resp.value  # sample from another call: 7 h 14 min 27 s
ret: 2 h 55 min 02 s
